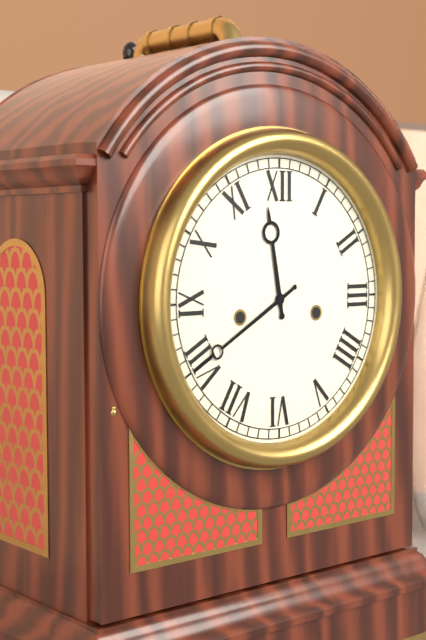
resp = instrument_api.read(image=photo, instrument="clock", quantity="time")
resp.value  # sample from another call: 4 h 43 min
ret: 11 h 40 min
